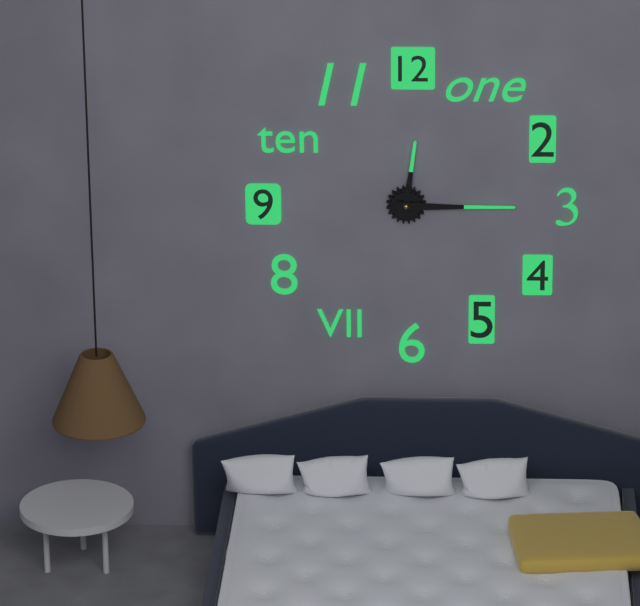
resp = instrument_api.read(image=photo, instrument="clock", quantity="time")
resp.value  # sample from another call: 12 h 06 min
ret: 12 h 15 min
